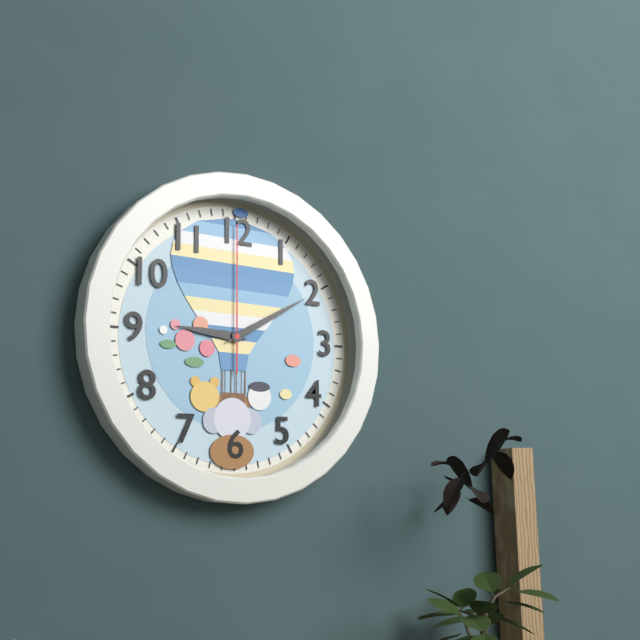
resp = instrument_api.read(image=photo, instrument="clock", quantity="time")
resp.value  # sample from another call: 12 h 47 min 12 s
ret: 9 h 10 min 00 s
